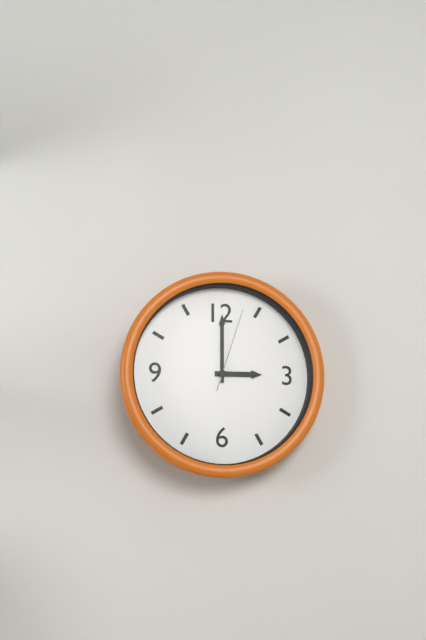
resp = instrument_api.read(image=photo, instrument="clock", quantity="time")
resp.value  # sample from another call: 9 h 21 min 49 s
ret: 3 h 00 min 03 s
